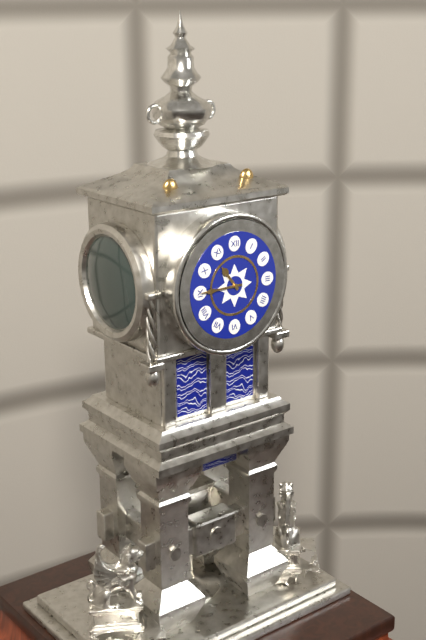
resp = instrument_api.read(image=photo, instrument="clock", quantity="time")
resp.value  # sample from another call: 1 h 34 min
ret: 10 h 45 min
